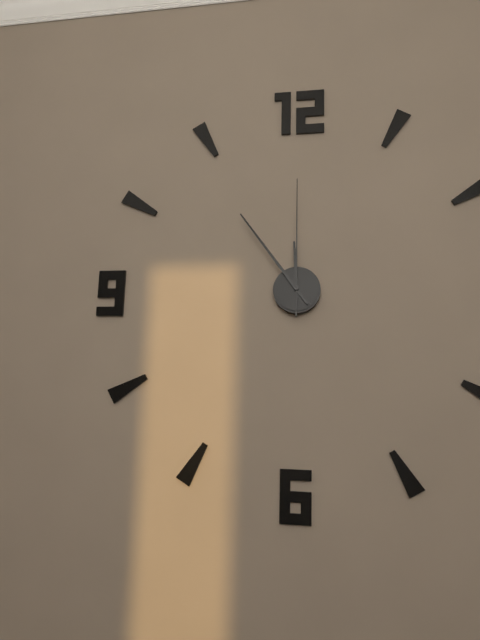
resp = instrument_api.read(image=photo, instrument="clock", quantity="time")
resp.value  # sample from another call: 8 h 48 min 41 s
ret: 11 h 54 min 00 s
